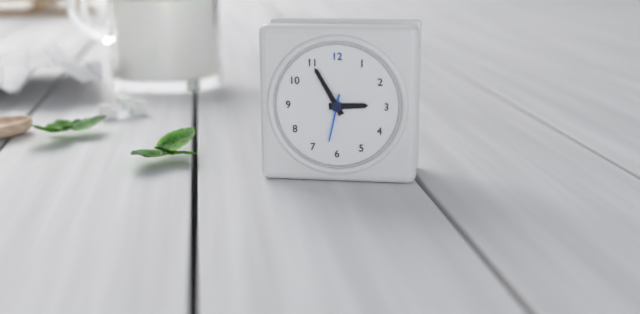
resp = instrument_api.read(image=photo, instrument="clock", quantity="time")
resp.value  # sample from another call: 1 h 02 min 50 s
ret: 2 h 55 min 32 s
